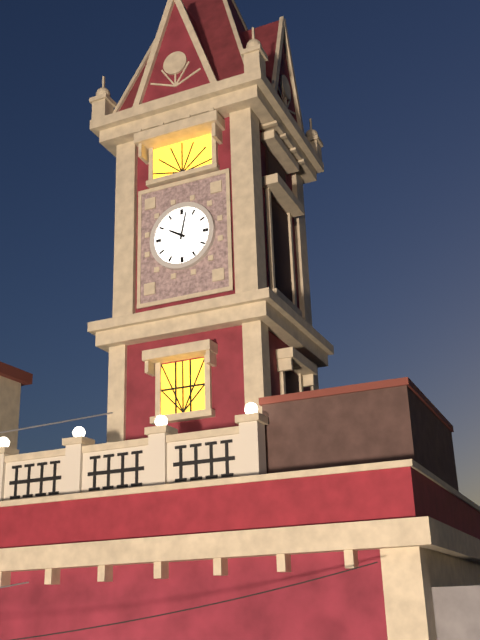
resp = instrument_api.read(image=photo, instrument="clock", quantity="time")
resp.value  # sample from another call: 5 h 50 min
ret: 10 h 02 min
